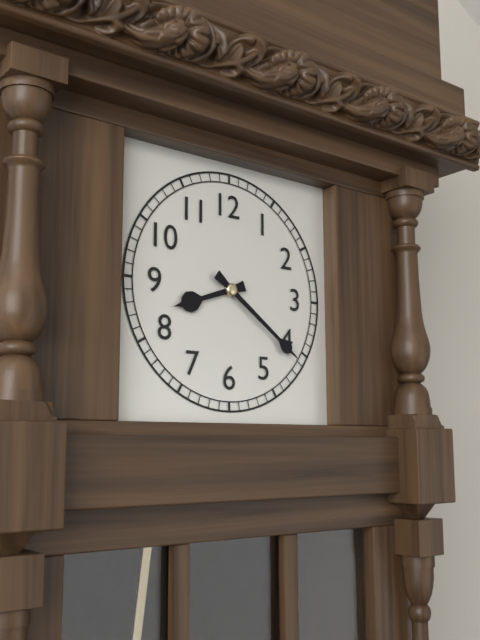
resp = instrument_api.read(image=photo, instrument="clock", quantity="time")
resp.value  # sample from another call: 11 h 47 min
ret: 8 h 21 min
